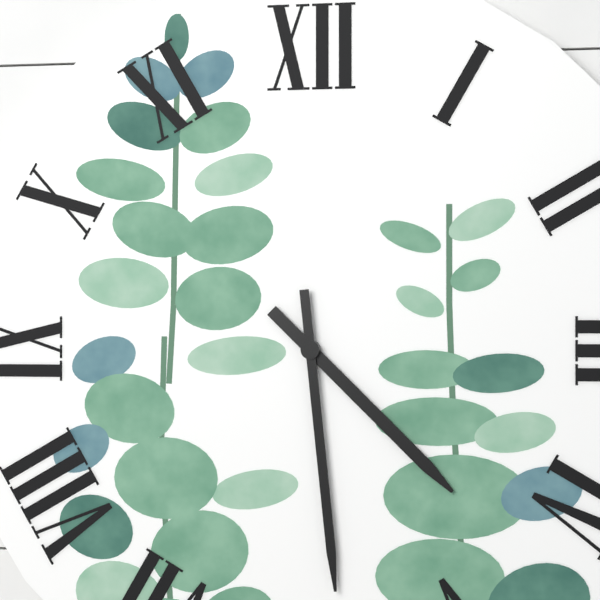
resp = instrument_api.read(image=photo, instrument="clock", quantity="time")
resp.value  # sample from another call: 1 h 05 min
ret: 4 h 29 min
